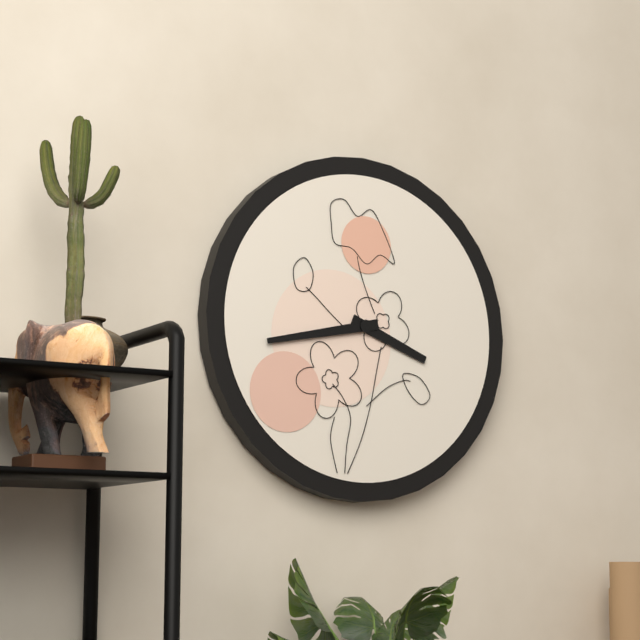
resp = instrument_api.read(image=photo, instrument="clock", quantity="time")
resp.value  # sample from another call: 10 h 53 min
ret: 3 h 43 min
